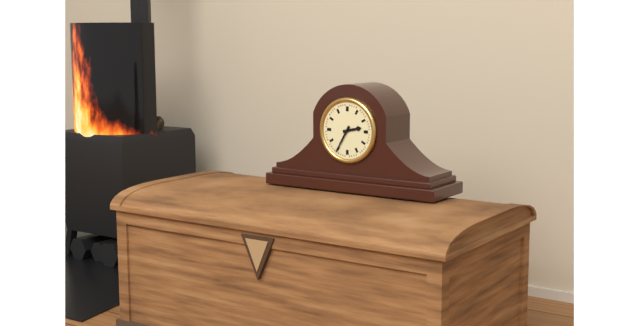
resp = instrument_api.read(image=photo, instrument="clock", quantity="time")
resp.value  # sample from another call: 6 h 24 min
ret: 2 h 35 min
